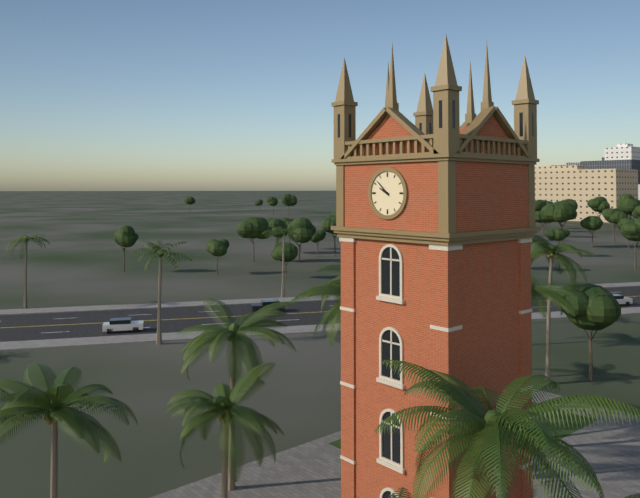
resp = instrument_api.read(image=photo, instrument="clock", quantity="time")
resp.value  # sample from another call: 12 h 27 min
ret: 9 h 52 min
